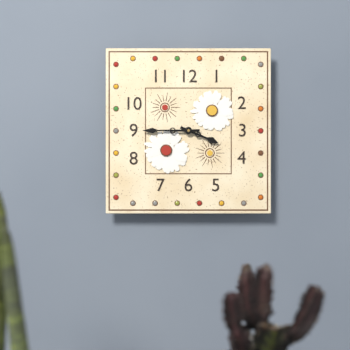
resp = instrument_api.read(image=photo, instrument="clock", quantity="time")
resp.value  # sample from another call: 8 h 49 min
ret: 3 h 45 min
